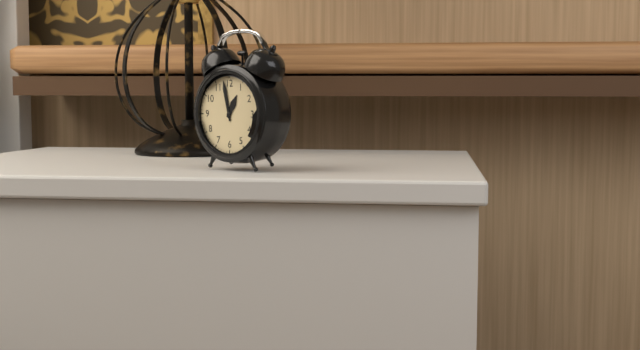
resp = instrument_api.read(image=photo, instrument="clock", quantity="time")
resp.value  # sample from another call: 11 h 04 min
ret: 12 h 58 min
